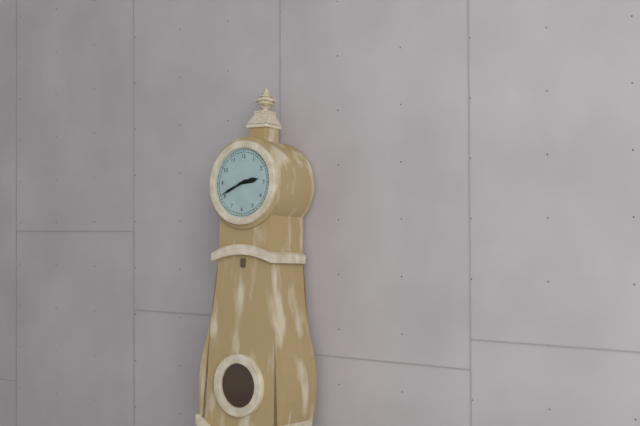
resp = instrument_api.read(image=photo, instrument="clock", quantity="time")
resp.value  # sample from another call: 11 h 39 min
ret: 2 h 41 min
